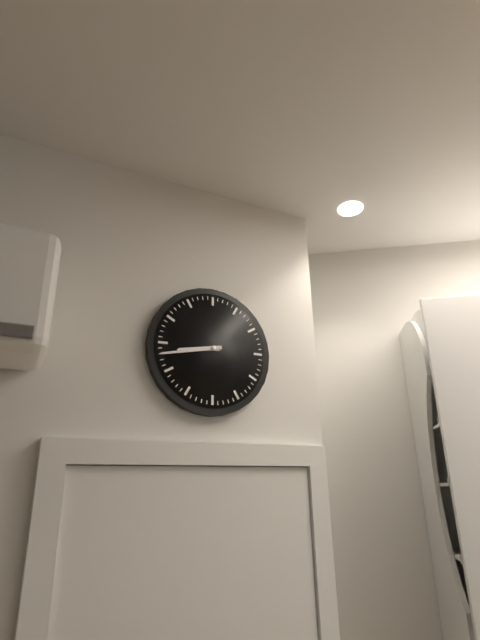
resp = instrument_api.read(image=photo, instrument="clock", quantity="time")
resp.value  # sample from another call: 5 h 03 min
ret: 8 h 43 min
